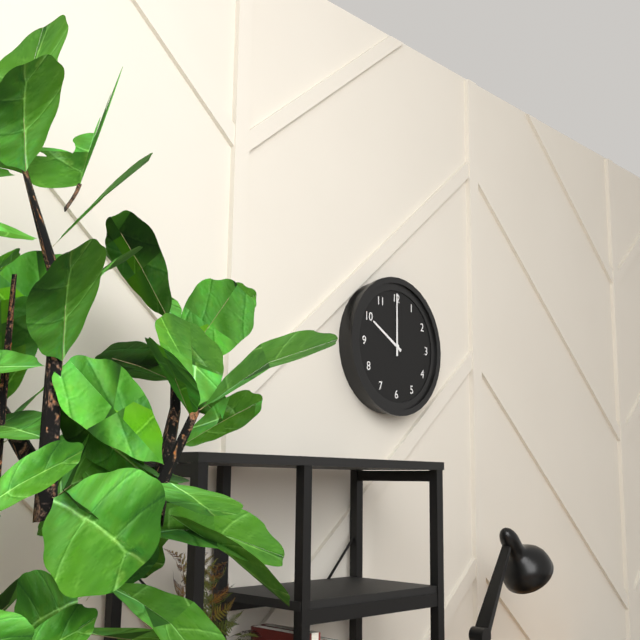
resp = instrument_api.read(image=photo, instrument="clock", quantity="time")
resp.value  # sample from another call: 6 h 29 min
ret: 10 h 00 min
